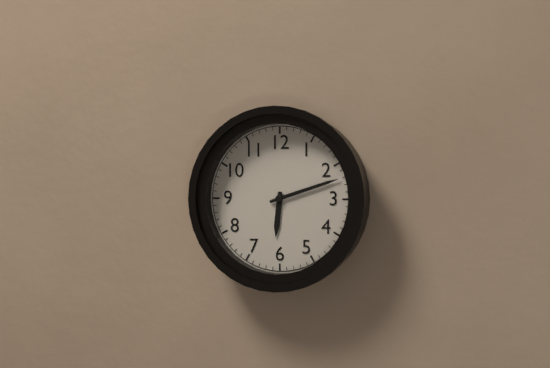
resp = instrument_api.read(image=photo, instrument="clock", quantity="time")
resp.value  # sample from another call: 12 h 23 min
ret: 6 h 12 min
